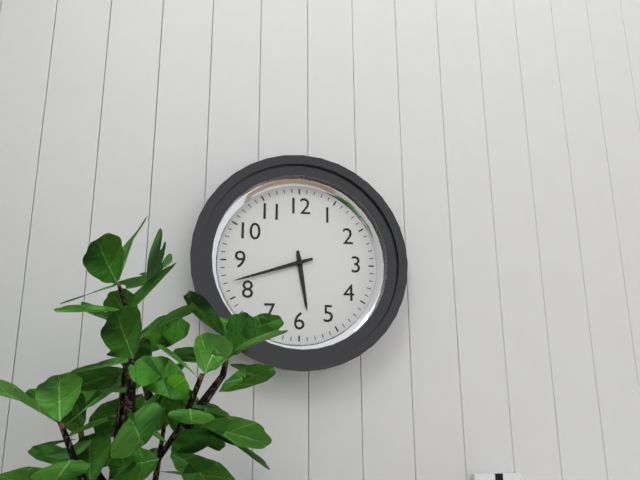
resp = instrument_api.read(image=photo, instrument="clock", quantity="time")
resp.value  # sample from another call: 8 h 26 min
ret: 5 h 42 min
